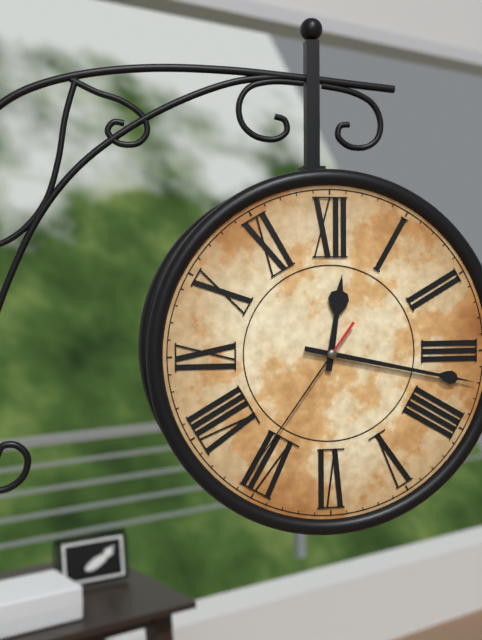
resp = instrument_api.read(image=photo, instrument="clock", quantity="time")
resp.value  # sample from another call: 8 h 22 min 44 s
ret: 12 h 17 min 36 s
